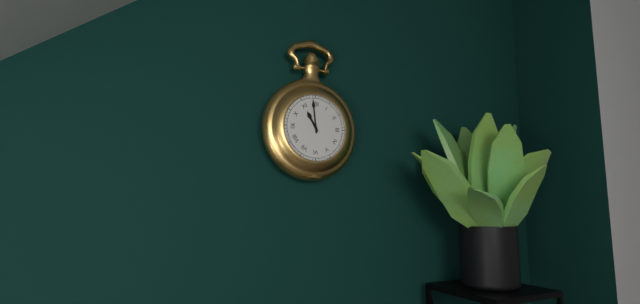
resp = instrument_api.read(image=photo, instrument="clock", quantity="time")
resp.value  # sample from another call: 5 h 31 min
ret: 10 h 59 min
